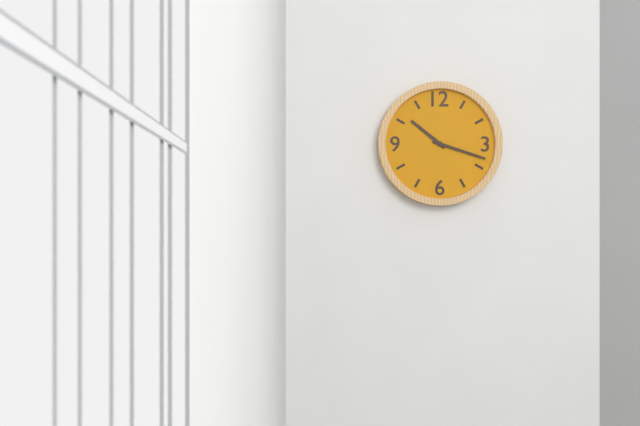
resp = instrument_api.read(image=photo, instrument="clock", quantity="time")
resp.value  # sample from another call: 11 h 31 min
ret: 10 h 18 min
